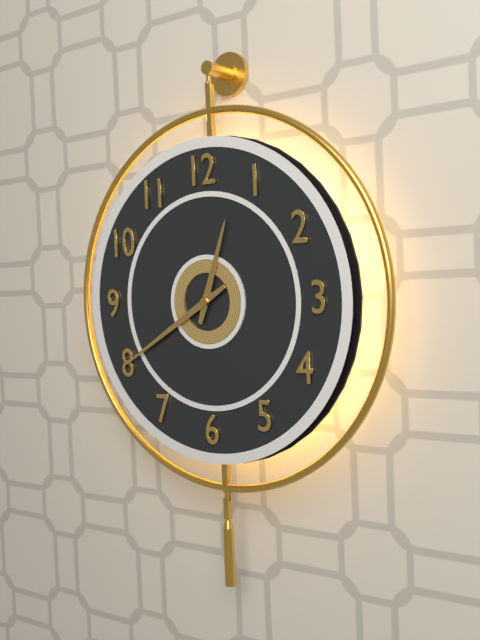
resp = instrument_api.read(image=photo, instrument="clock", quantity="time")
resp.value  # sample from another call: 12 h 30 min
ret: 12 h 40 min
